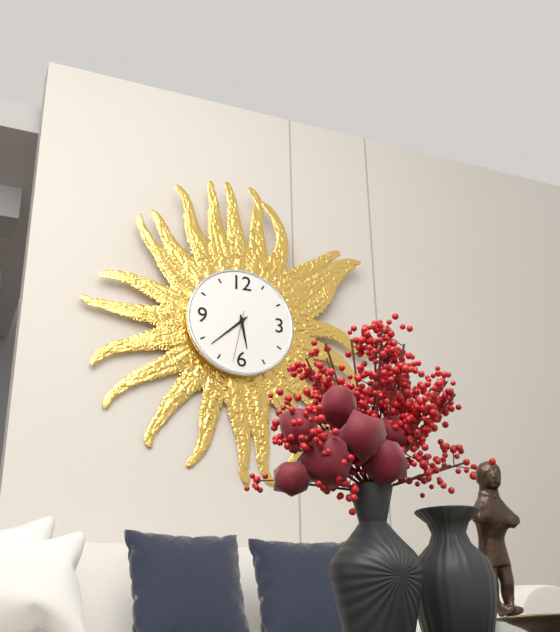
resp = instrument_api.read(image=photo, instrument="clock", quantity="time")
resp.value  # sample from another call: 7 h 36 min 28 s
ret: 5 h 38 min 32 s
